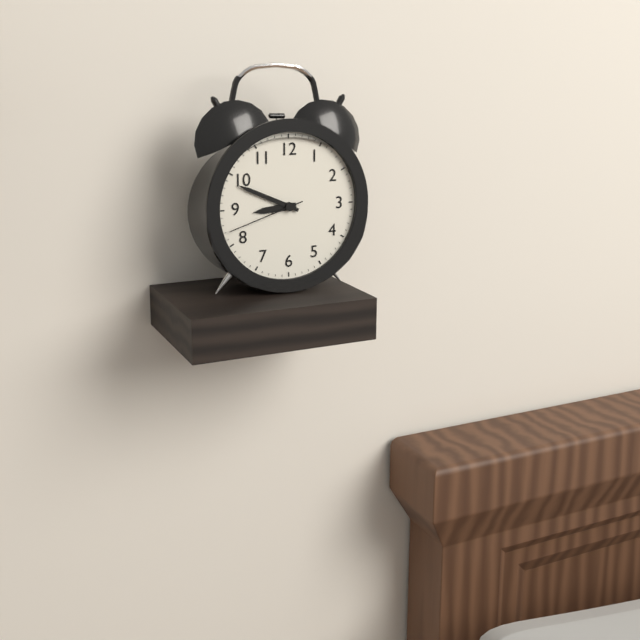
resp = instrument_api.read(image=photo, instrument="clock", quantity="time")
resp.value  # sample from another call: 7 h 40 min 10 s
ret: 8 h 49 min 42 s
